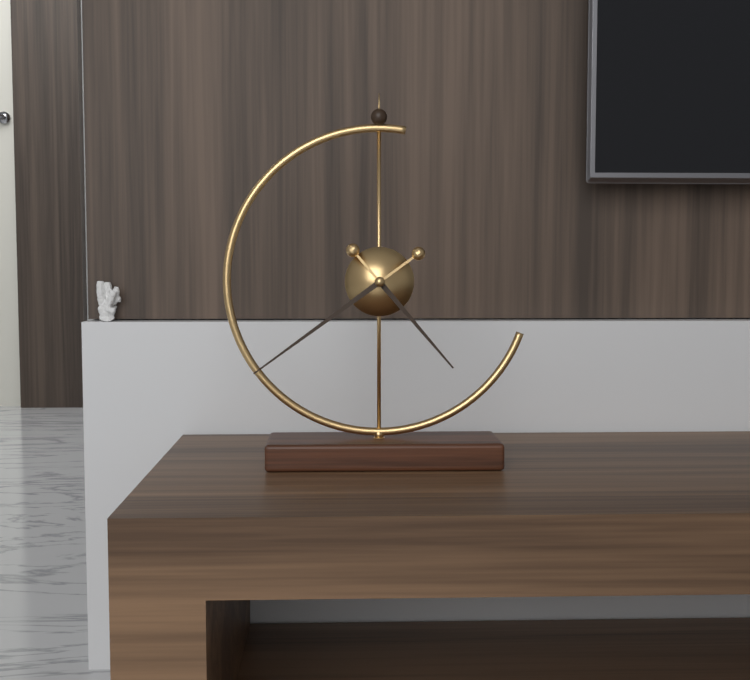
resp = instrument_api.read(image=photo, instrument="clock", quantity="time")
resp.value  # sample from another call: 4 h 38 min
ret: 4 h 39 min
